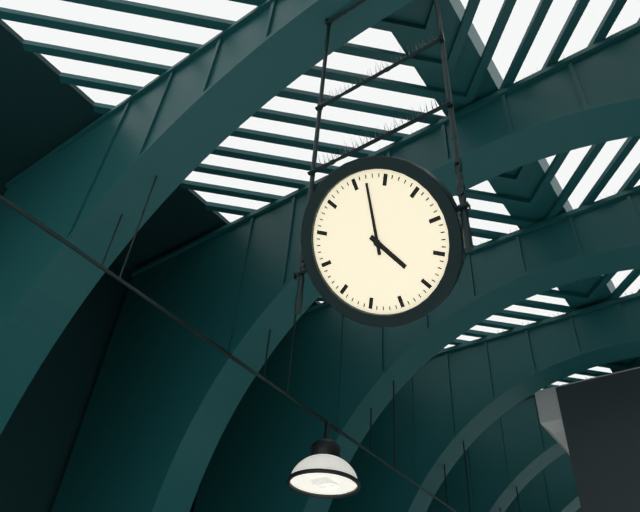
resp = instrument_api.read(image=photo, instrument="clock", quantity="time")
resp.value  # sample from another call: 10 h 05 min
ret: 5 h 02 min
